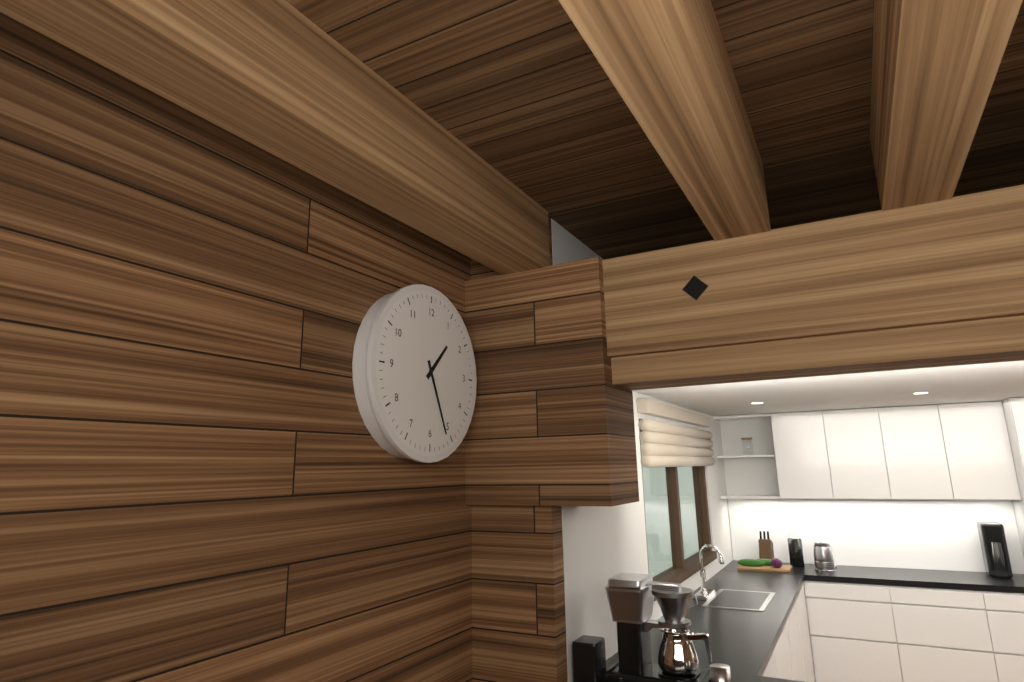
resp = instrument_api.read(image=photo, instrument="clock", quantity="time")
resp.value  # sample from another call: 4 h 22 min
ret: 1 h 26 min
